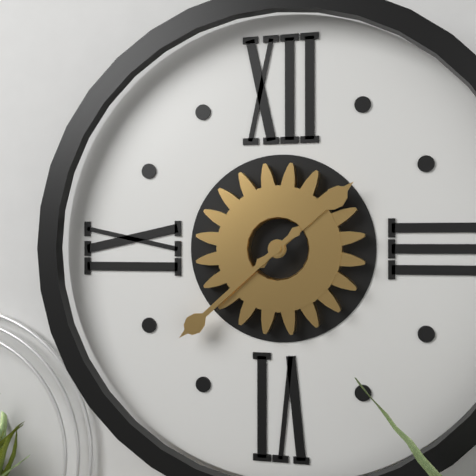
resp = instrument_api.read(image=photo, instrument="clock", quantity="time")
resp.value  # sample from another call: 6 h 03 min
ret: 1 h 38 min
